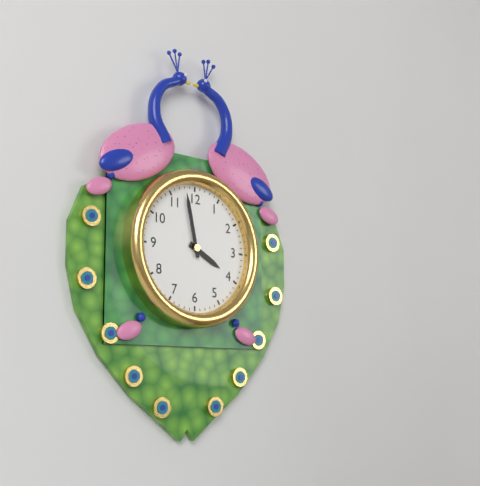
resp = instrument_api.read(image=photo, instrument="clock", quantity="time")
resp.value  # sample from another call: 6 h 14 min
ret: 3 h 58 min
